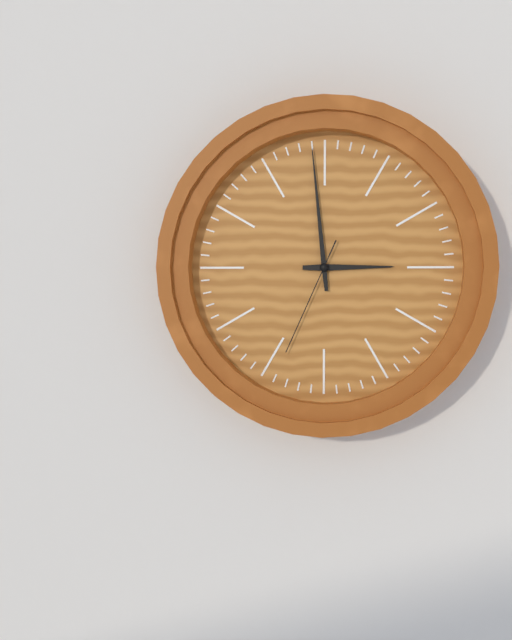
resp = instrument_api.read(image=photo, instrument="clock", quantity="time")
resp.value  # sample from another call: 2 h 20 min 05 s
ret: 2 h 59 min 34 s
